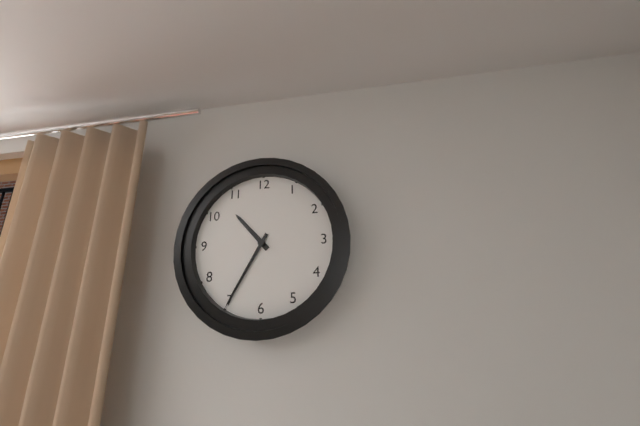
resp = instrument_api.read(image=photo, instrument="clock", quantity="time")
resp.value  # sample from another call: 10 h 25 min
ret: 10 h 35 min
